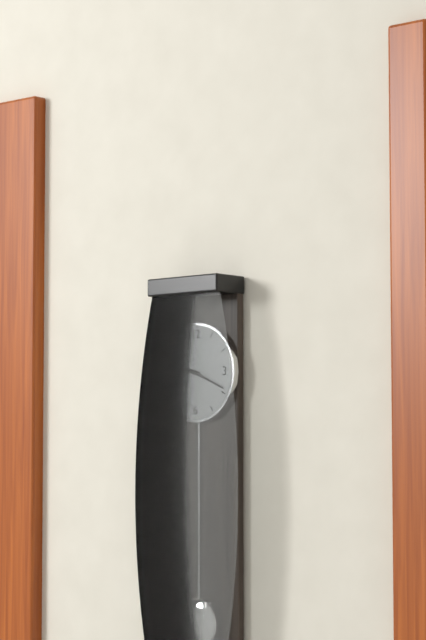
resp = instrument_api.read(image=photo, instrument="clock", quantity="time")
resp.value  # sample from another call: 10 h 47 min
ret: 9 h 19 min
